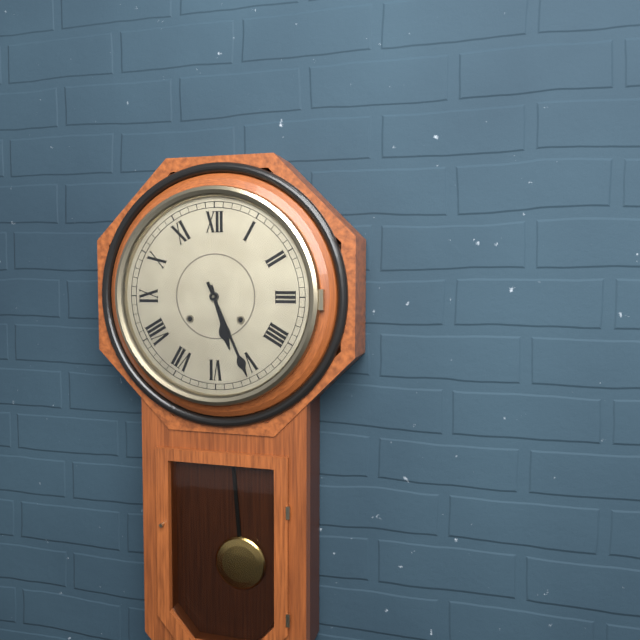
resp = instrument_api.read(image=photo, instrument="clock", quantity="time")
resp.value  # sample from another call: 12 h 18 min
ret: 5 h 26 min
